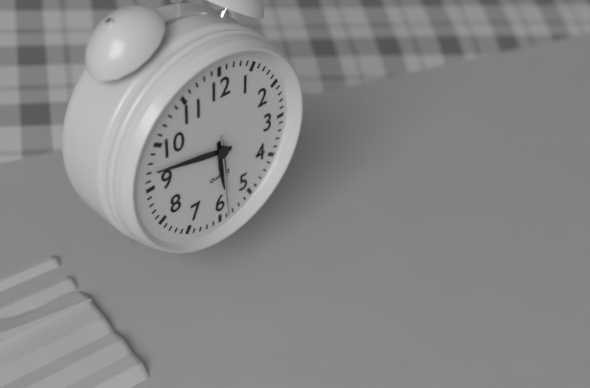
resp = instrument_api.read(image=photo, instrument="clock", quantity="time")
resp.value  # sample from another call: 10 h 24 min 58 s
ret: 5 h 47 min 29 s
